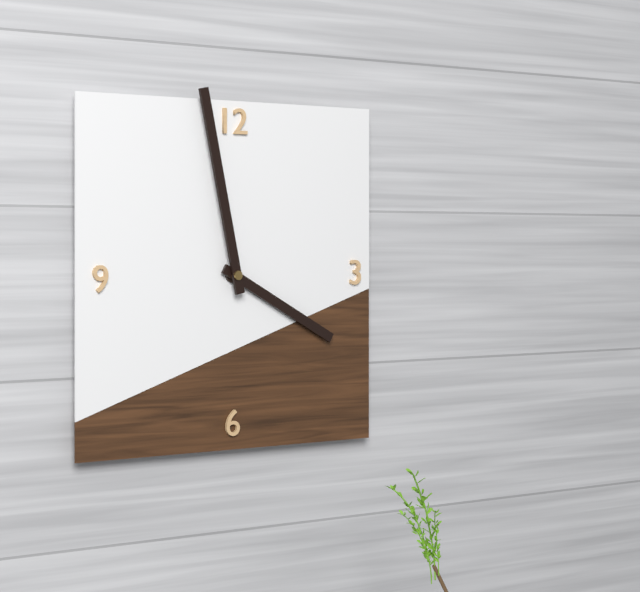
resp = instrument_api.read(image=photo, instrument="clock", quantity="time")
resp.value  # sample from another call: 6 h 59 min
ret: 3 h 58 min
